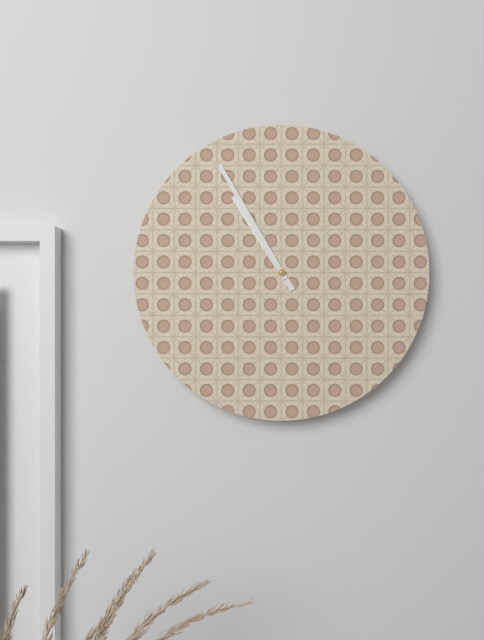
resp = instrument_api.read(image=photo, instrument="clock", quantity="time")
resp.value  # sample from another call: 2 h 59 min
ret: 10 h 55 min
